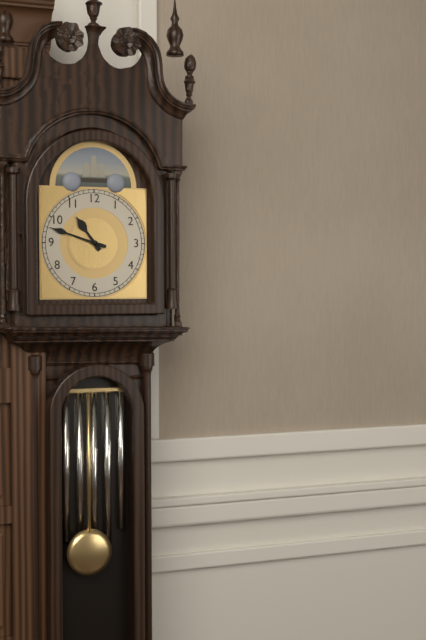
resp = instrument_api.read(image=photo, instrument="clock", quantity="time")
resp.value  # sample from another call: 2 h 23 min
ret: 10 h 48 min
